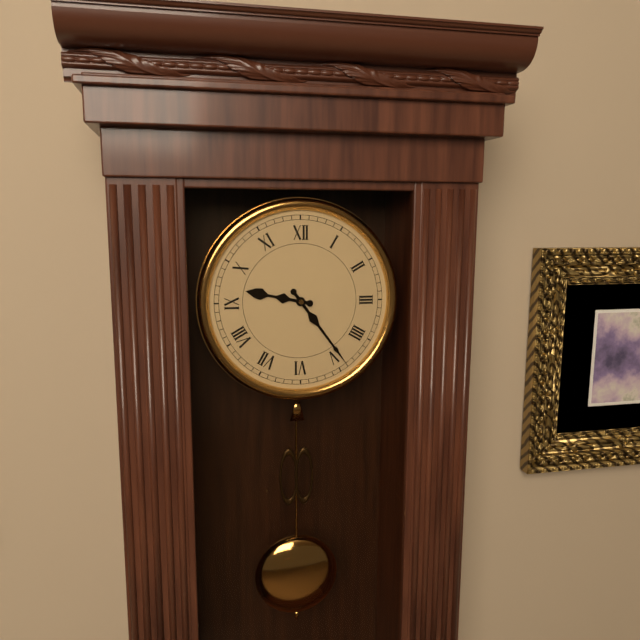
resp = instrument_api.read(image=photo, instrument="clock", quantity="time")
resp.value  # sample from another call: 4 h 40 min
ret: 9 h 24 min
